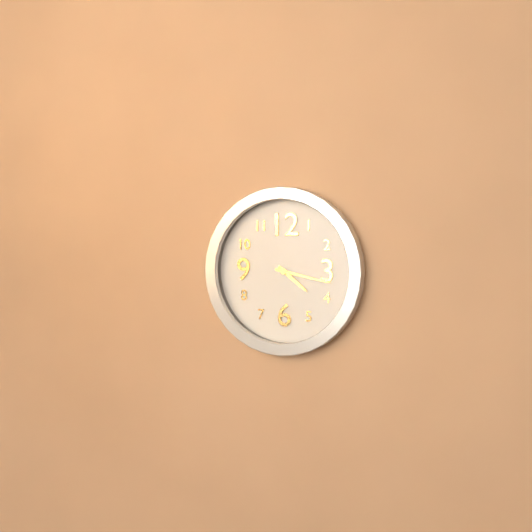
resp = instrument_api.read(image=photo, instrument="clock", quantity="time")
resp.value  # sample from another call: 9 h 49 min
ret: 4 h 17 min
